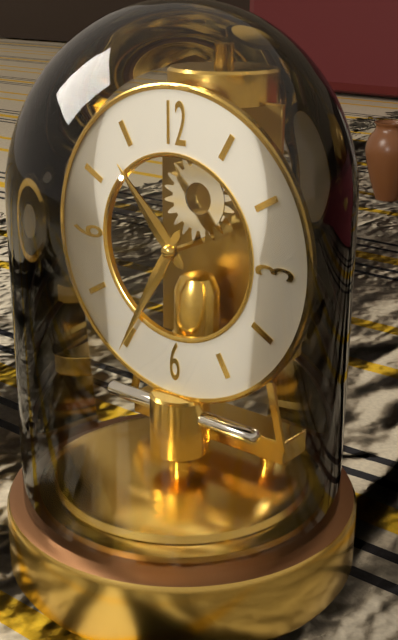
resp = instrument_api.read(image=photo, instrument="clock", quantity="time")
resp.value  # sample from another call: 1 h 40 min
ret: 10 h 35 min
